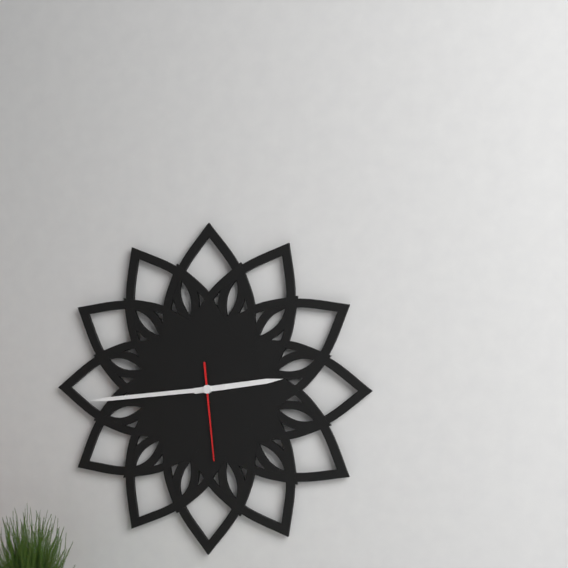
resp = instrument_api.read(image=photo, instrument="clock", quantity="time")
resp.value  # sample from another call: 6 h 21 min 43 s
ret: 2 h 44 min 29 s
